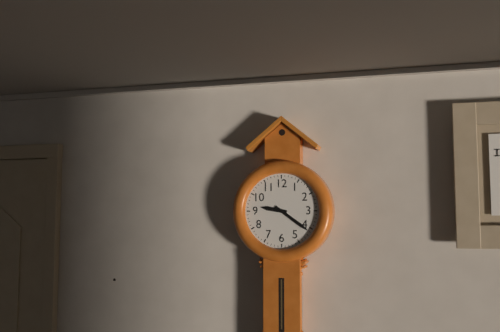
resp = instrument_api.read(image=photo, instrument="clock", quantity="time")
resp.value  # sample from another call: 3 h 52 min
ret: 9 h 21 min
